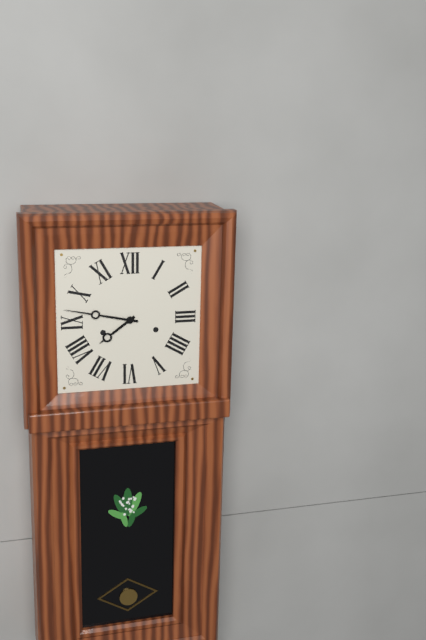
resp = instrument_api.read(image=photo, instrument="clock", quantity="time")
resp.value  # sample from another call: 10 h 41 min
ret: 7 h 47 min
